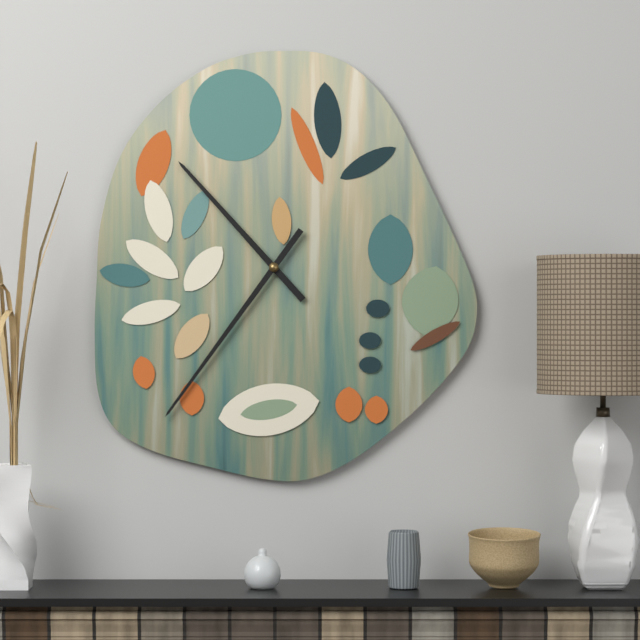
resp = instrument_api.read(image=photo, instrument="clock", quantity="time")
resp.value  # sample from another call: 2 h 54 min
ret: 10 h 36 min
